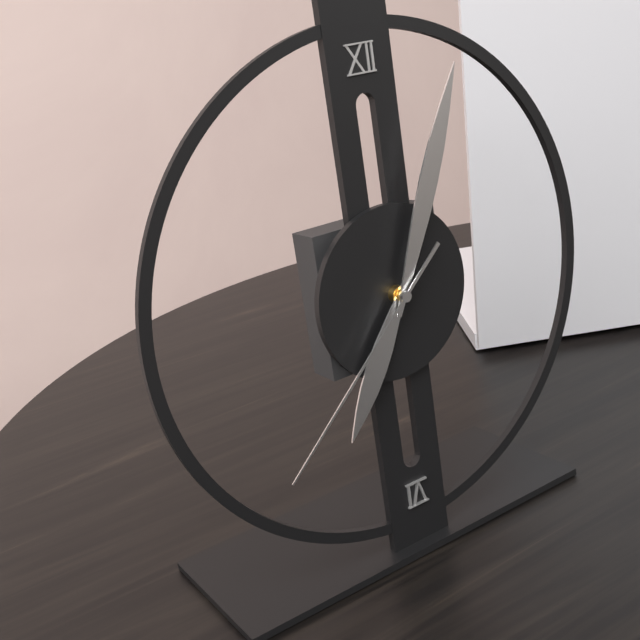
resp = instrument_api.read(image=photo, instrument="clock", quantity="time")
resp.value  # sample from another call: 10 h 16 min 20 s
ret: 7 h 04 min 38 s
